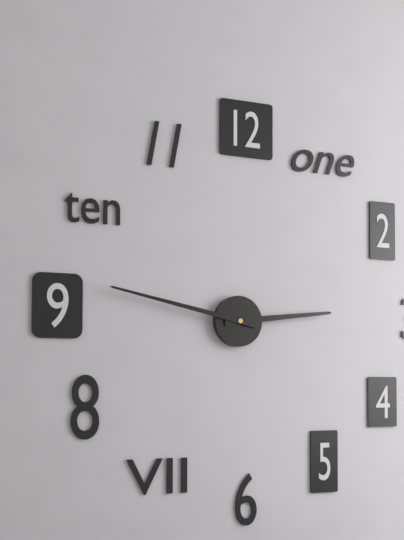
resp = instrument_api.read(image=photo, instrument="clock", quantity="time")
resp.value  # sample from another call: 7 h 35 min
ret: 2 h 47 min
